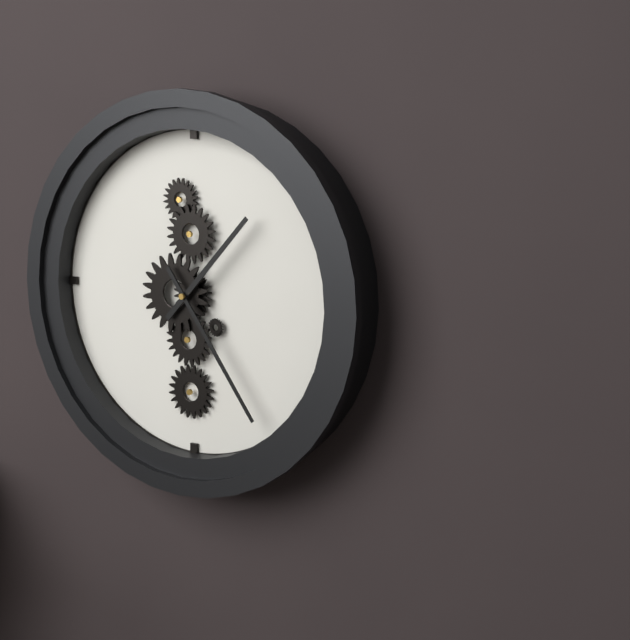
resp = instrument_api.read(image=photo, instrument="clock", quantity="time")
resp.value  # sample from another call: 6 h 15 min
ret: 1 h 24 min
